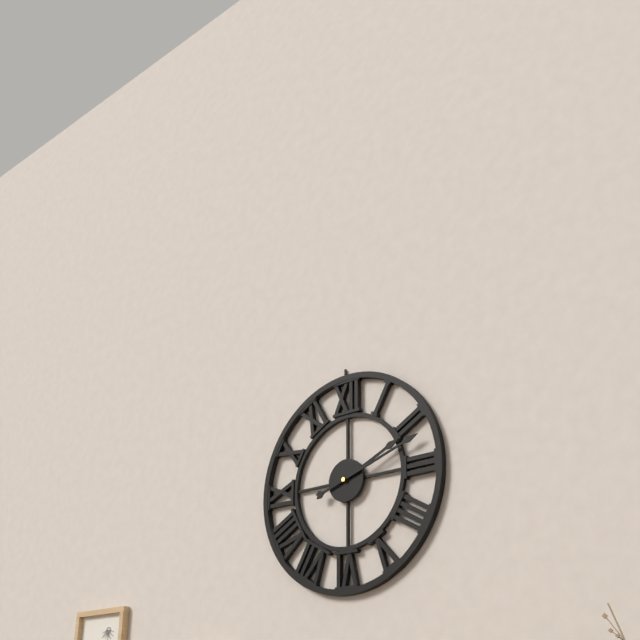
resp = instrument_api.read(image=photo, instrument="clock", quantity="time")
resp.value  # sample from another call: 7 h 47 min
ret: 2 h 12 min
